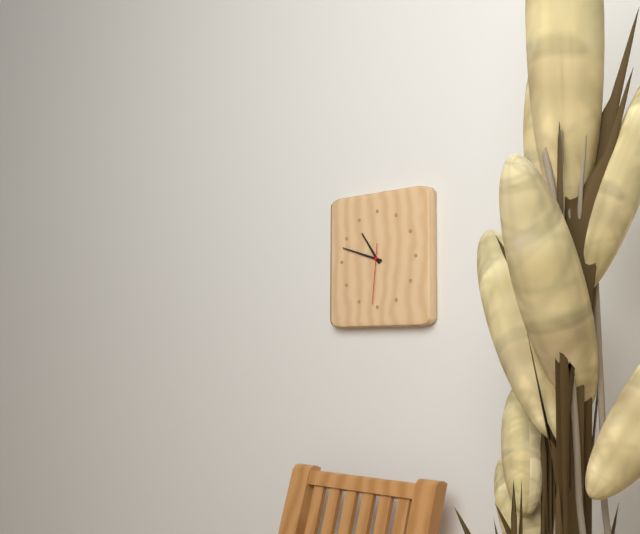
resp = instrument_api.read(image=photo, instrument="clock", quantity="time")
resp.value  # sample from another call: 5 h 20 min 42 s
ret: 10 h 48 min 31 s
